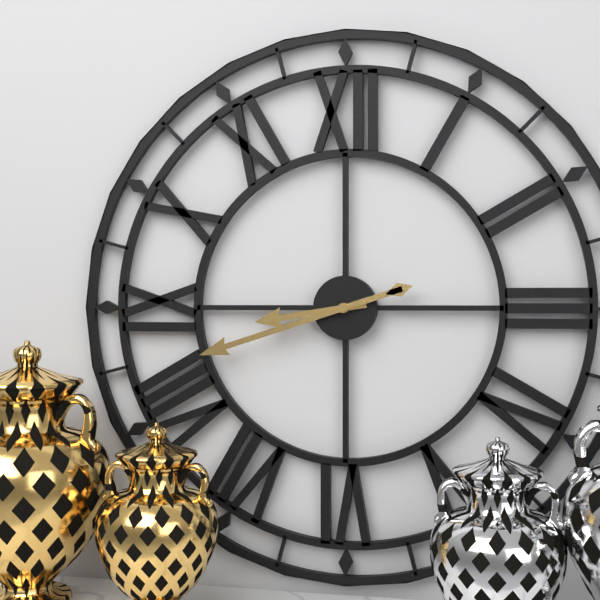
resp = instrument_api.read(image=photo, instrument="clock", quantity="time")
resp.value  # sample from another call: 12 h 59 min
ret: 8 h 42 min
